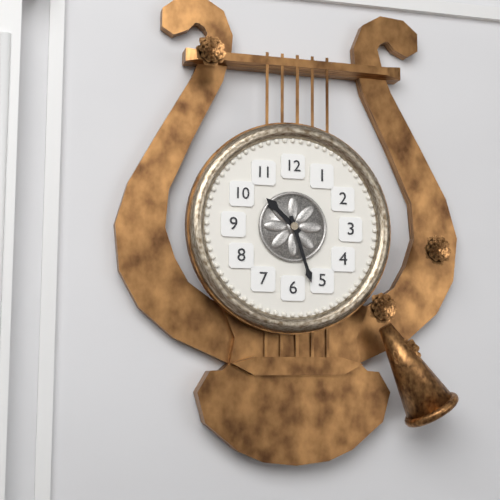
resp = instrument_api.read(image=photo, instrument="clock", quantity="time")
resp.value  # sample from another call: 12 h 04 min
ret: 10 h 27 min
